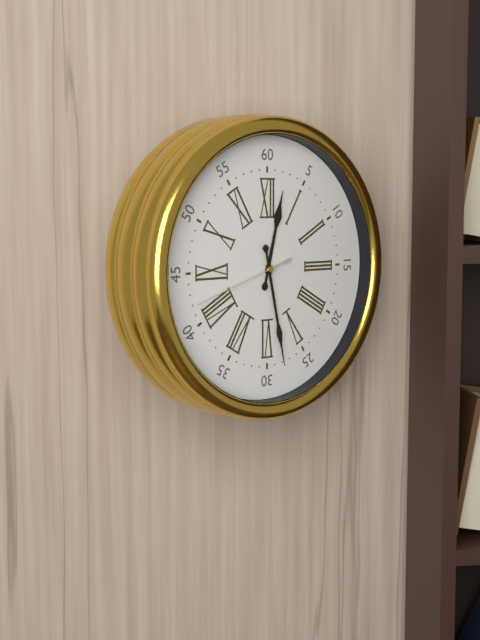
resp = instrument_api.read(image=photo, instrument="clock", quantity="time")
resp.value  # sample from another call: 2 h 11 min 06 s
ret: 12 h 28 min 42 s
